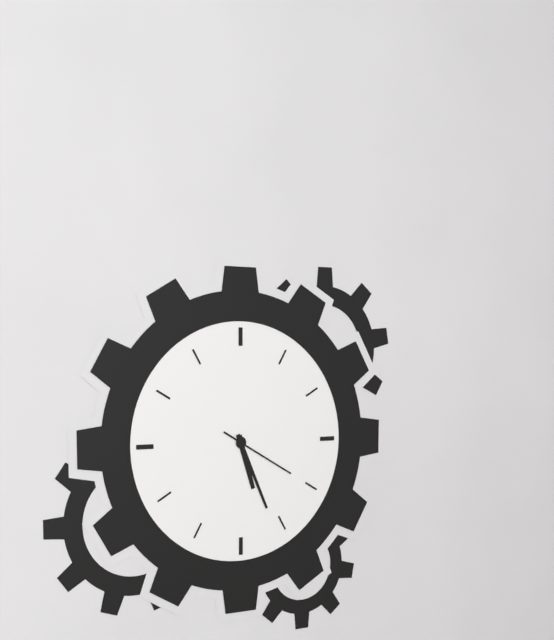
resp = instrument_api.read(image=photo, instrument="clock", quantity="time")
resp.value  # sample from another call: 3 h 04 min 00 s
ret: 5 h 26 min 20 s
